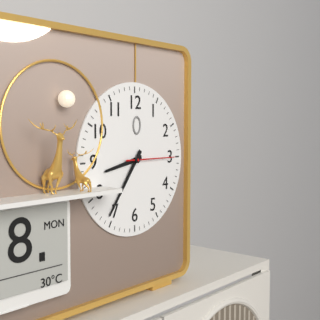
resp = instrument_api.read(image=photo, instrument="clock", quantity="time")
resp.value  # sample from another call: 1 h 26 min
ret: 8 h 36 min
